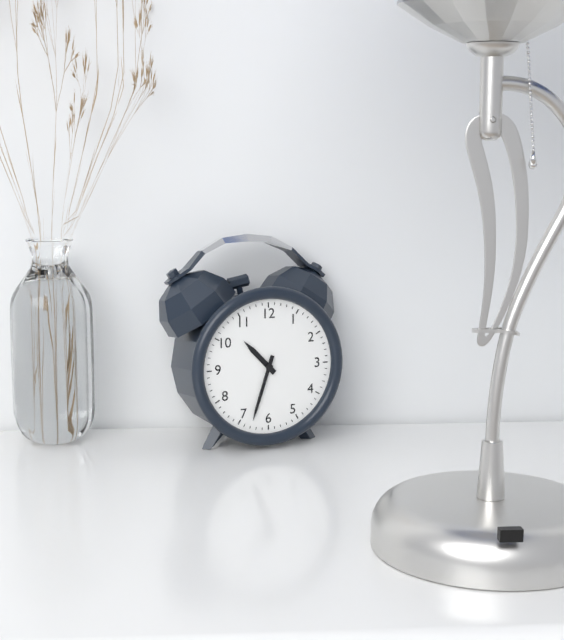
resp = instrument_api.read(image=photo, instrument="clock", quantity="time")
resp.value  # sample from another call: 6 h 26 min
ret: 10 h 33 min
